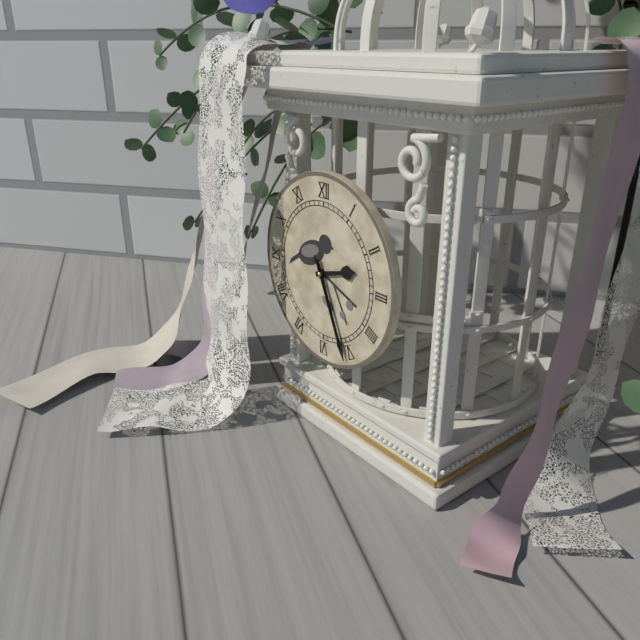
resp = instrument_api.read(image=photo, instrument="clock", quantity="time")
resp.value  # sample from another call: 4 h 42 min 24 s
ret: 2 h 26 min 26 s
